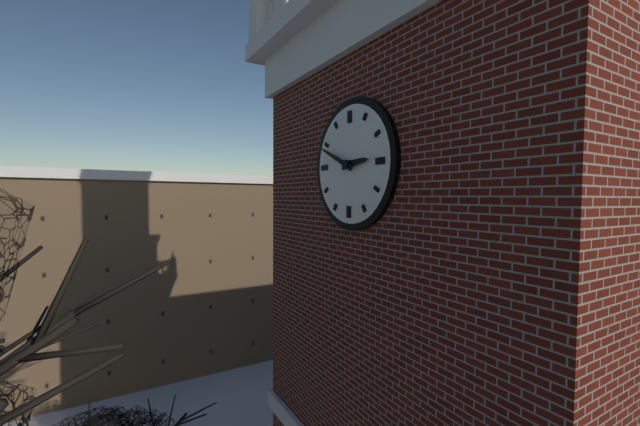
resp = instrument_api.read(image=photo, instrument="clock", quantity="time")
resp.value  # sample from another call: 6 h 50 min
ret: 2 h 49 min
